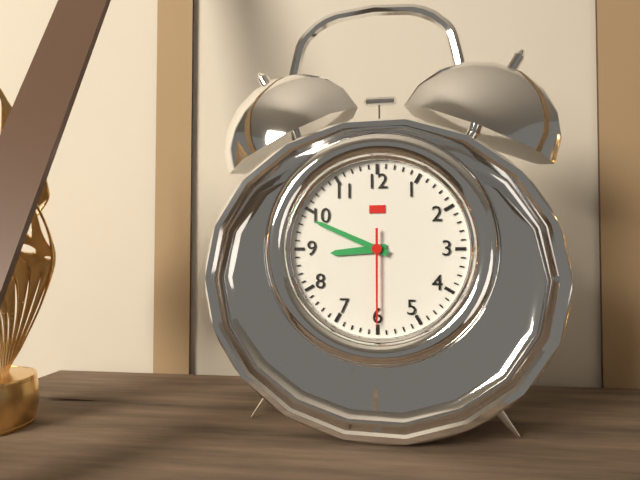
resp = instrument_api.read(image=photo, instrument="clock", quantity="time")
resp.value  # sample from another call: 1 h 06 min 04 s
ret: 8 h 49 min 30 s
